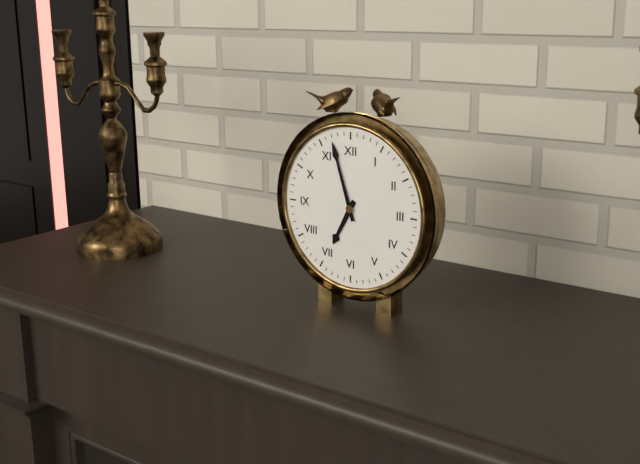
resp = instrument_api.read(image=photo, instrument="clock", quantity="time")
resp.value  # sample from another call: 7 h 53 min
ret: 6 h 57 min
